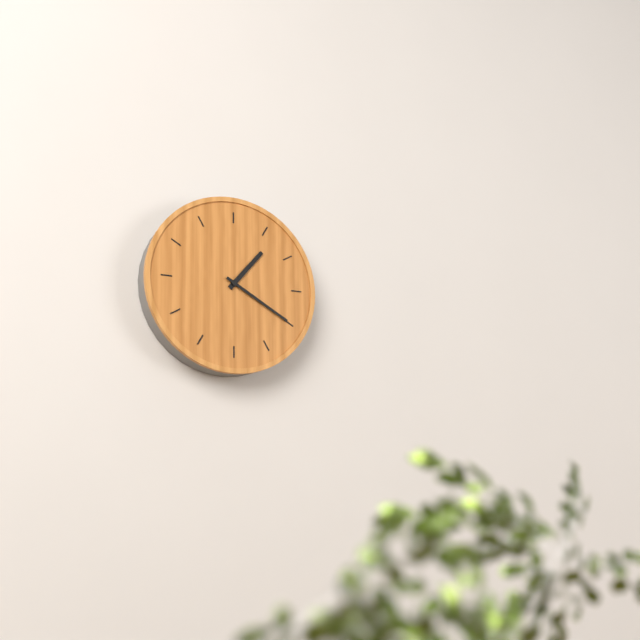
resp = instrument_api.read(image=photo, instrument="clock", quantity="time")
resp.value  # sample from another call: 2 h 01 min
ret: 1 h 20 min
